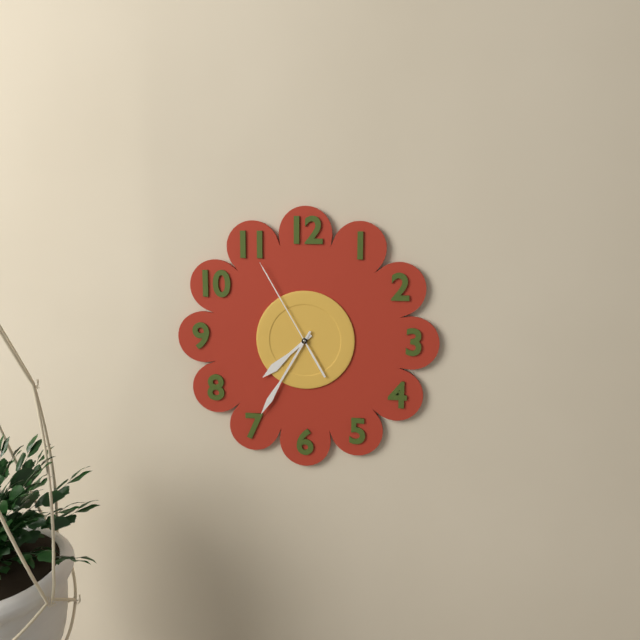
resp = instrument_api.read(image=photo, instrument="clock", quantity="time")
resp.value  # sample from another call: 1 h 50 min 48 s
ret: 7 h 35 min 55 s
